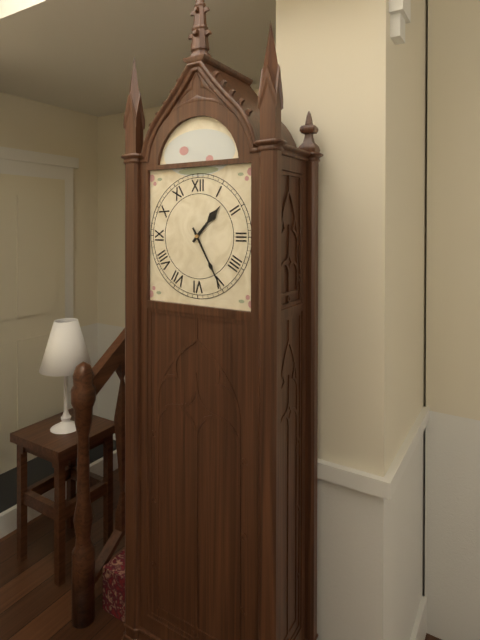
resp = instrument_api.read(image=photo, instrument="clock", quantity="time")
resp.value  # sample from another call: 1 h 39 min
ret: 1 h 25 min
